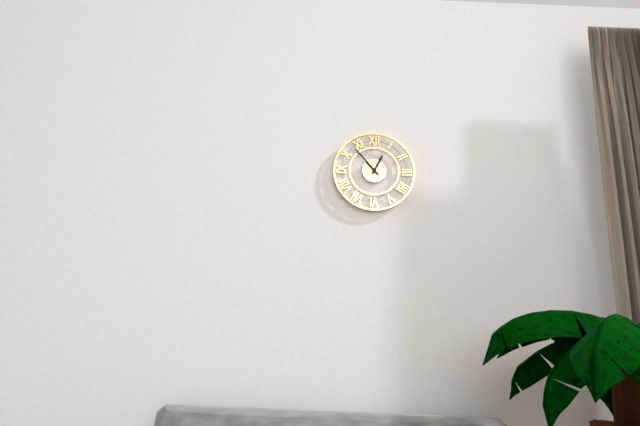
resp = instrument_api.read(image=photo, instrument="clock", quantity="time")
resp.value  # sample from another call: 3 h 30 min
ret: 12 h 53 min
